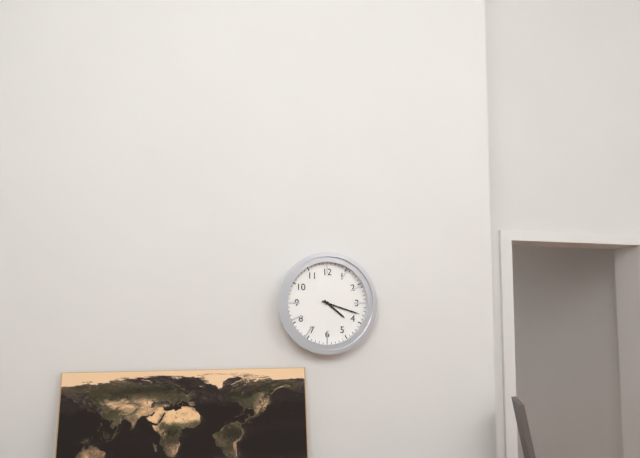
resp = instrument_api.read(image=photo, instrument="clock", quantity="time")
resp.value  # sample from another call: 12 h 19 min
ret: 4 h 18 min
